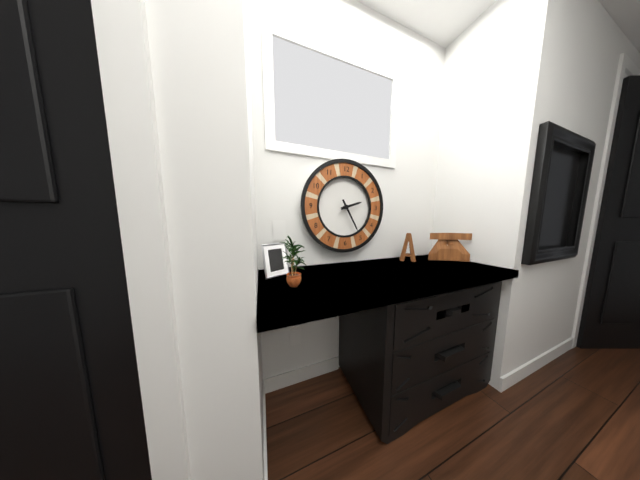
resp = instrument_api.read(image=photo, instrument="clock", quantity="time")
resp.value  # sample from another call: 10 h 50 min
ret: 2 h 25 min
